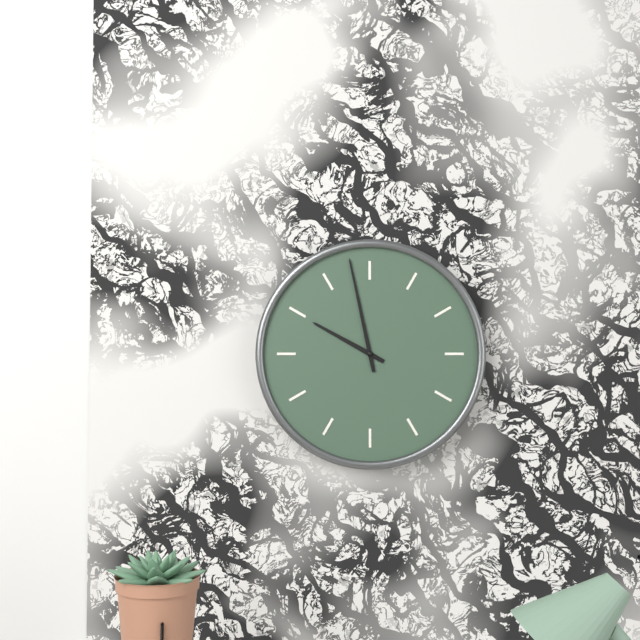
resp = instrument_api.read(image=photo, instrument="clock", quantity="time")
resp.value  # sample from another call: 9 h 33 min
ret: 9 h 58 min
